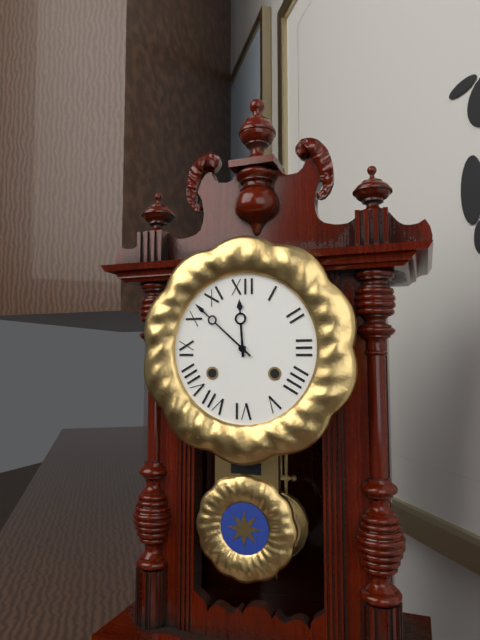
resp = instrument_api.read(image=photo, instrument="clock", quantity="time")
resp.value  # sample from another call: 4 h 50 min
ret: 11 h 52 min
